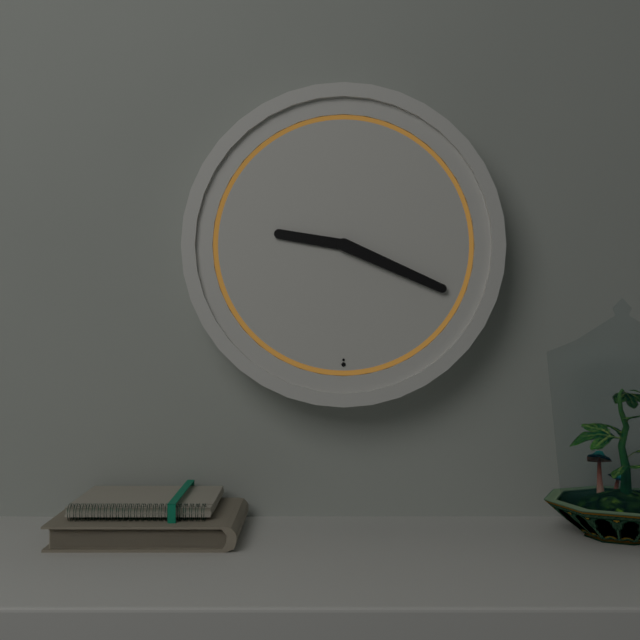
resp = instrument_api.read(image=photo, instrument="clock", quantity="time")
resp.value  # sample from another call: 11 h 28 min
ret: 9 h 19 min
